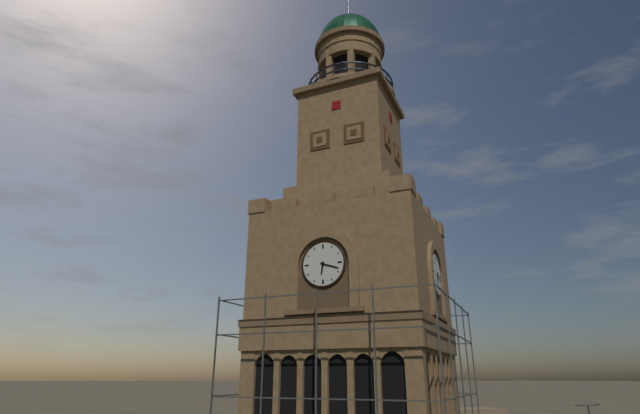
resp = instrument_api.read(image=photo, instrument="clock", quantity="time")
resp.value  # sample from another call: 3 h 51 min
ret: 6 h 18 min
